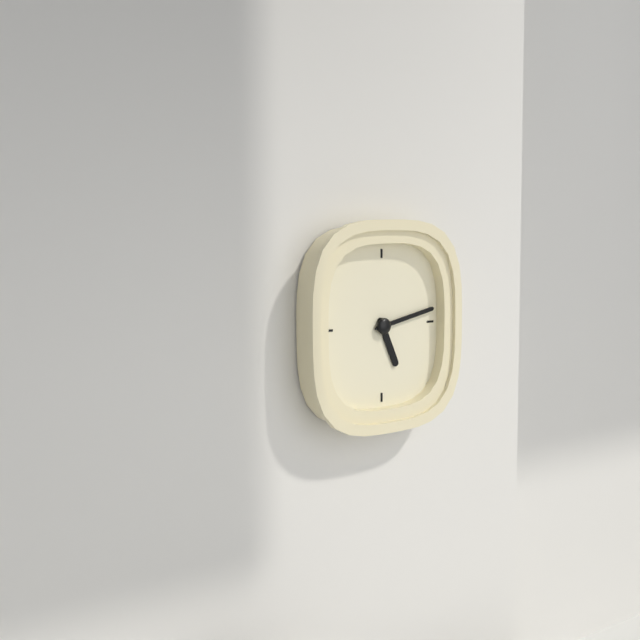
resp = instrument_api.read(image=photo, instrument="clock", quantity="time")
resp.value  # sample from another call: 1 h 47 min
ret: 5 h 13 min
